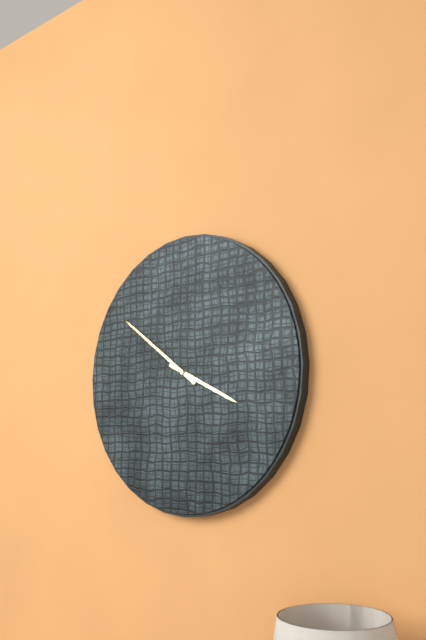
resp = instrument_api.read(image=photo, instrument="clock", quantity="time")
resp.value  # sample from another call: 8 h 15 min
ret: 3 h 51 min
